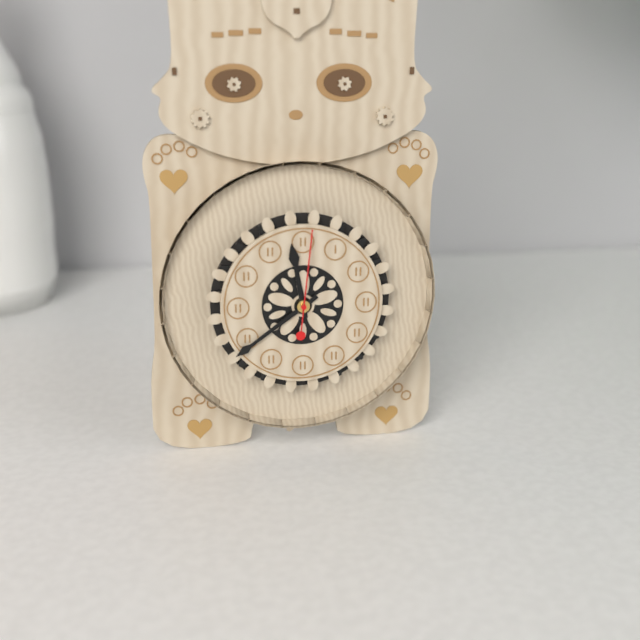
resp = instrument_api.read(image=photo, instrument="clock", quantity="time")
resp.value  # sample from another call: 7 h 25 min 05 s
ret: 11 h 39 min 01 s
